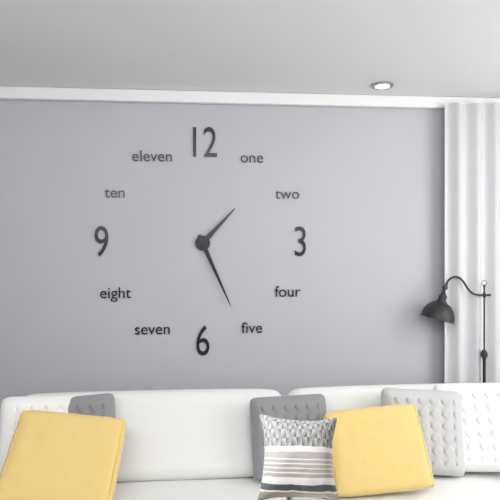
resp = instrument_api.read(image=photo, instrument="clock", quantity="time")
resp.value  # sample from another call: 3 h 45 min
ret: 1 h 26 min
